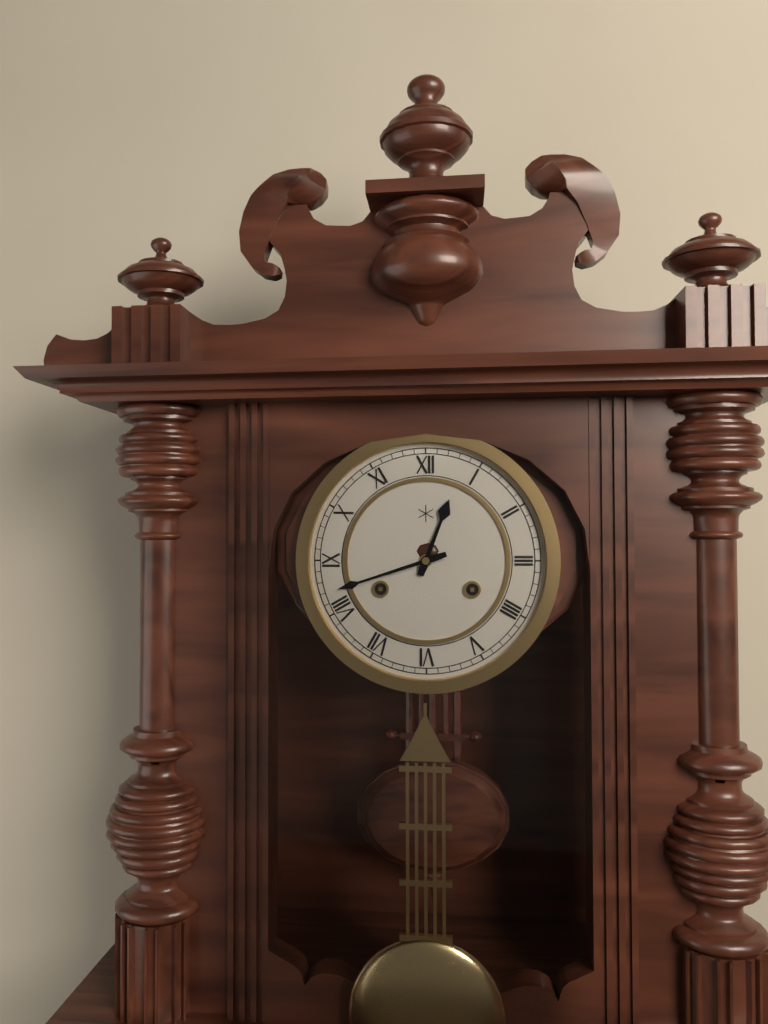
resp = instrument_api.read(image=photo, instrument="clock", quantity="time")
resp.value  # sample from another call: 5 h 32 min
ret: 12 h 42 min
